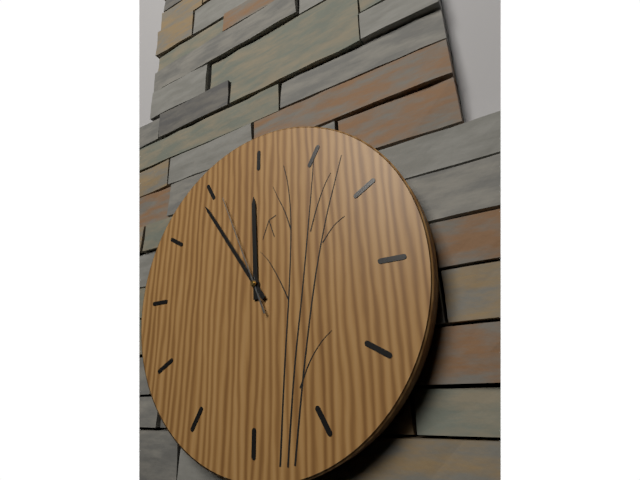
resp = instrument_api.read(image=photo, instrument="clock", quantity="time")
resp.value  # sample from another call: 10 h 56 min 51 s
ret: 11 h 54 min 56 s
